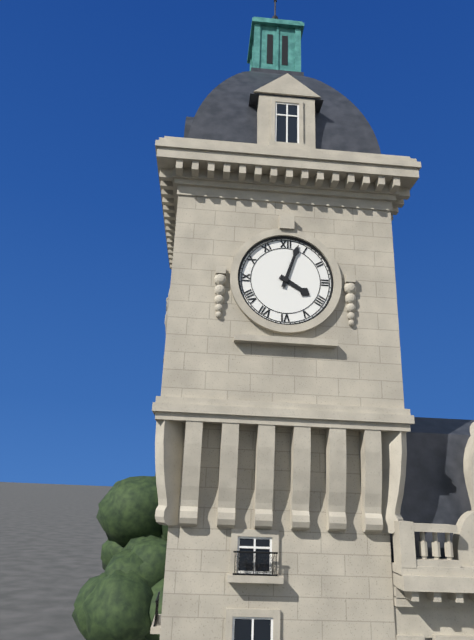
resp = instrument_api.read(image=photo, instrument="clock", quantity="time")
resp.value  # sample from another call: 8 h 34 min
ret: 4 h 03 min
